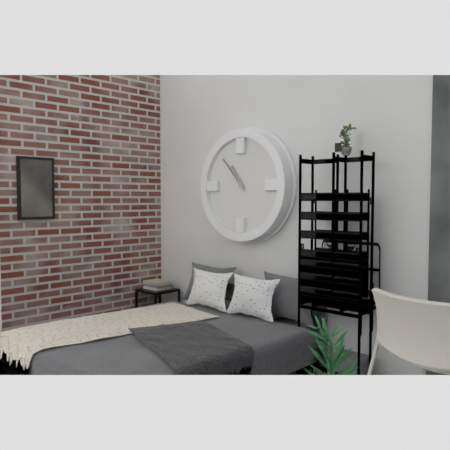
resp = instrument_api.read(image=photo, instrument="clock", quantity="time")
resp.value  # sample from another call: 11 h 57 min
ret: 10 h 53 min
